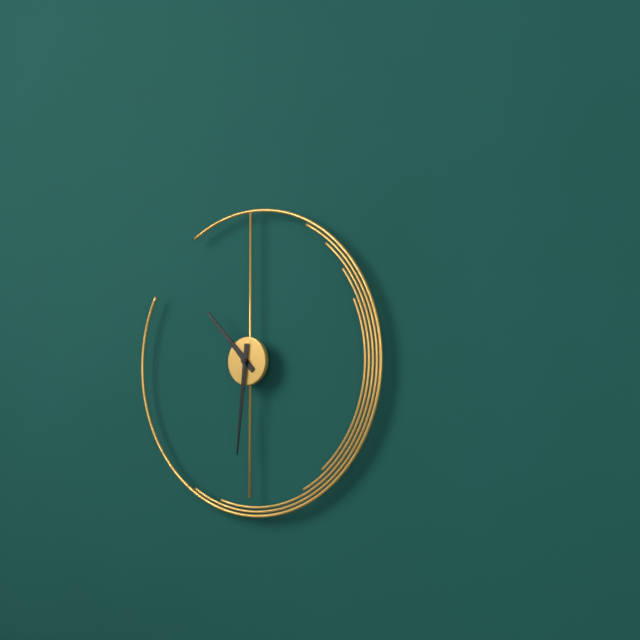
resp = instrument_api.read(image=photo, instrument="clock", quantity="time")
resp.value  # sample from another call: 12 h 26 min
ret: 10 h 31 min
